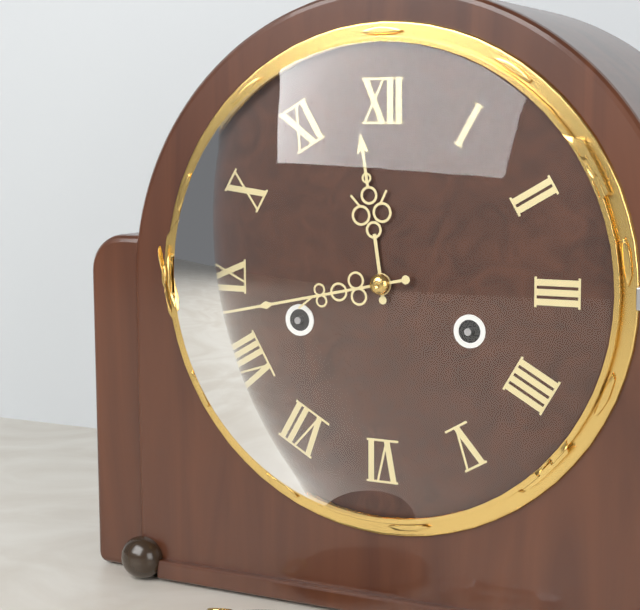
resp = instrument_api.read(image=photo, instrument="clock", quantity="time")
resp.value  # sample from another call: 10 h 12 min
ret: 11 h 43 min
